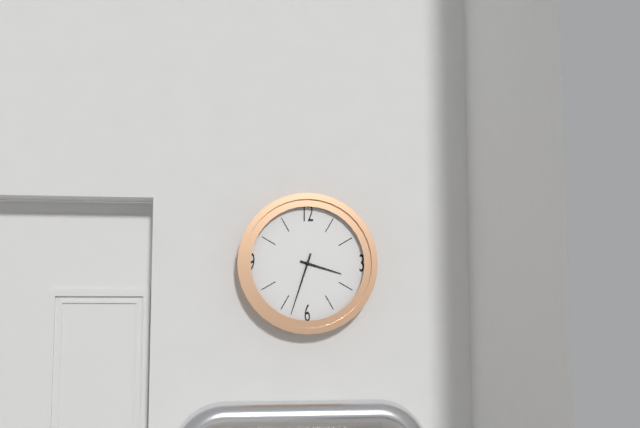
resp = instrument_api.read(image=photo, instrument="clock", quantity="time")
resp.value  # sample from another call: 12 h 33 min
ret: 3 h 33 min
